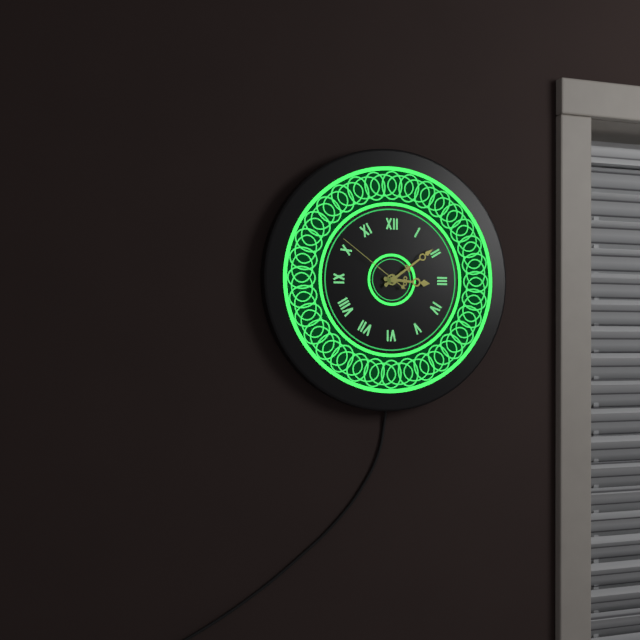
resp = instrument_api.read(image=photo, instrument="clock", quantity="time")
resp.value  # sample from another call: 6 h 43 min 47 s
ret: 3 h 09 min 51 s
